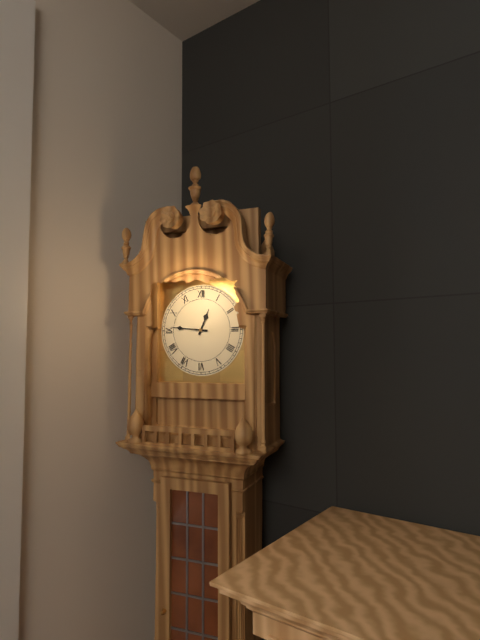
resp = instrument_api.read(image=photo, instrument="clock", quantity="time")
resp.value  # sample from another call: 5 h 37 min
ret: 12 h 46 min
